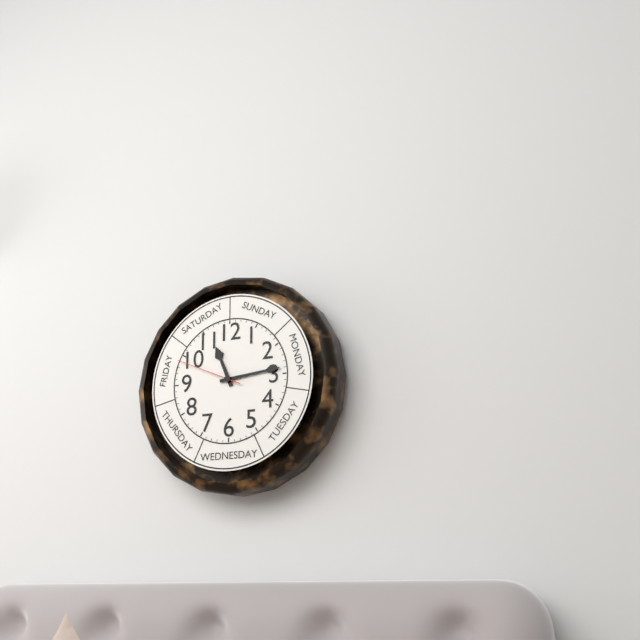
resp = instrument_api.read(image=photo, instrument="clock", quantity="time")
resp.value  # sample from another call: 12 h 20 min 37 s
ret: 11 h 14 min 49 s
